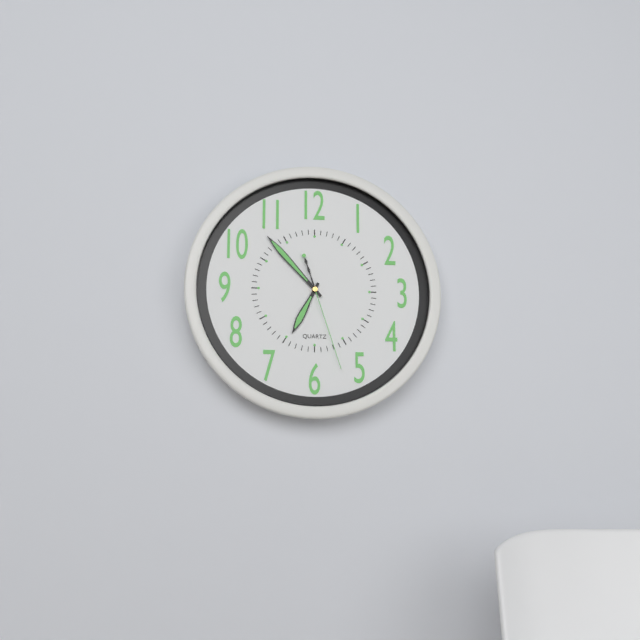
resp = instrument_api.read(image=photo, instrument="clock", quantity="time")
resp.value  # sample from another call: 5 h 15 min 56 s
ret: 6 h 53 min 27 s
